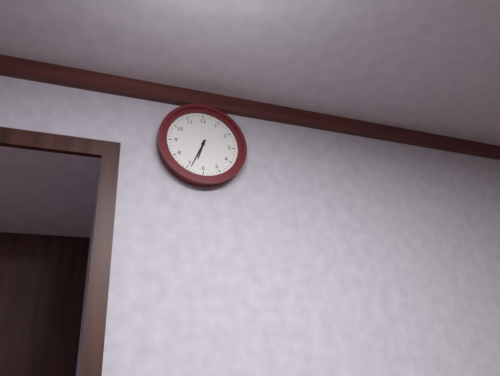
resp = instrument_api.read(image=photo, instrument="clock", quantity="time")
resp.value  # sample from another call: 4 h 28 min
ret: 6 h 34 min
